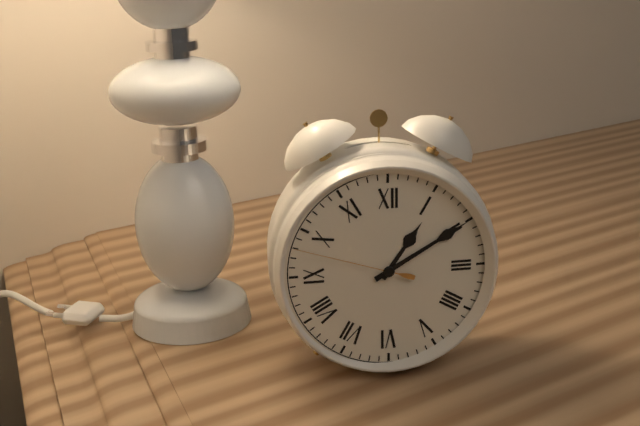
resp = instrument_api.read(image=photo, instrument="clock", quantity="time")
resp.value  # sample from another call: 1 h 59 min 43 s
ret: 1 h 10 min 48 s
